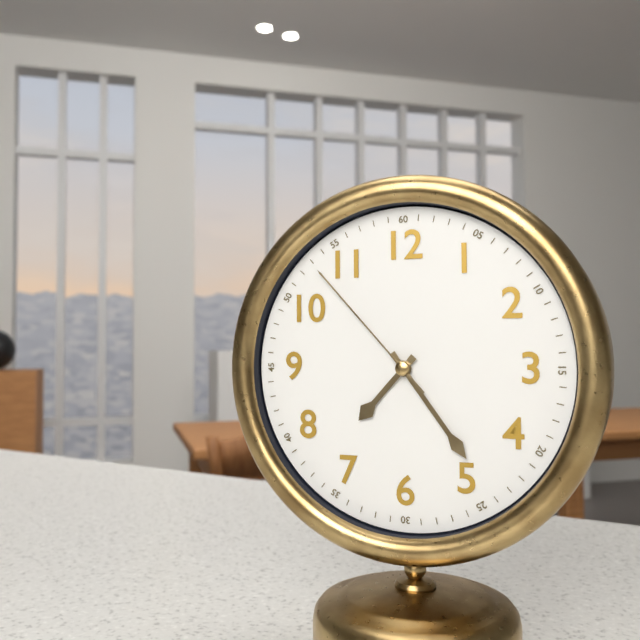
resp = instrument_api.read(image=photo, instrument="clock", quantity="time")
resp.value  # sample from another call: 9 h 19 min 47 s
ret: 7 h 24 min 53 s
